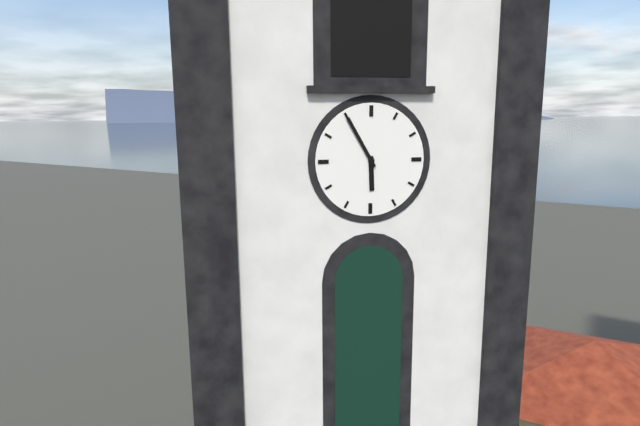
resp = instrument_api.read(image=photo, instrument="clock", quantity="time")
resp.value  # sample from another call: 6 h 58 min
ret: 5 h 55 min
